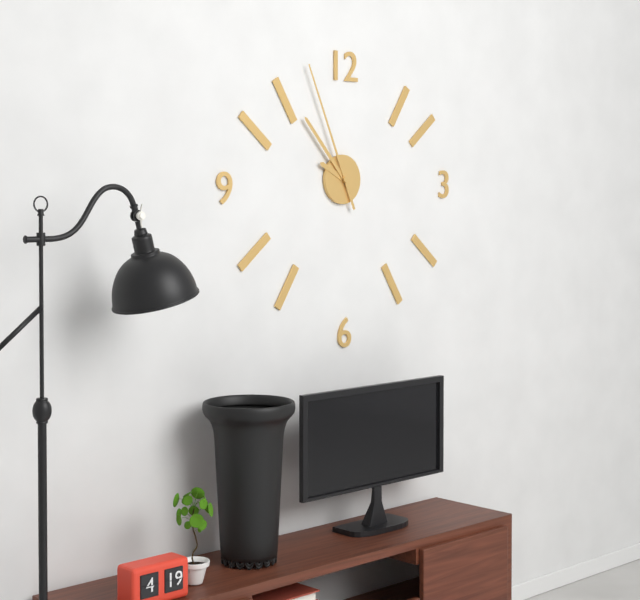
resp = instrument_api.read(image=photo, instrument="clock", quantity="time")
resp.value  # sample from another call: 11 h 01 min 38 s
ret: 9 h 53 min 56 s
